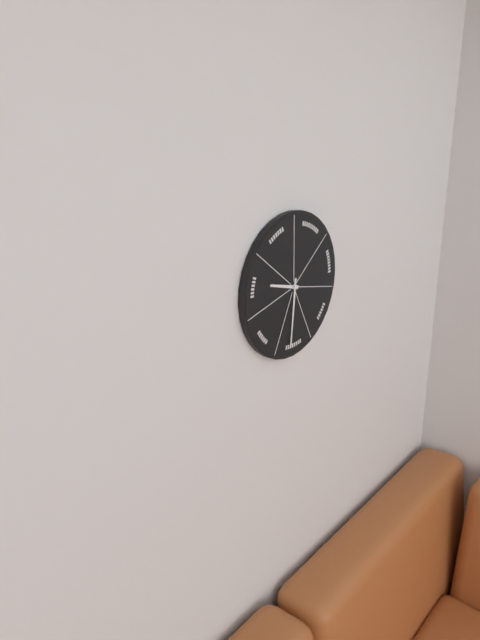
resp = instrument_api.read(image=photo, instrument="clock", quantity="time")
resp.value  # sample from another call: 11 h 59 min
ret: 9 h 31 min
